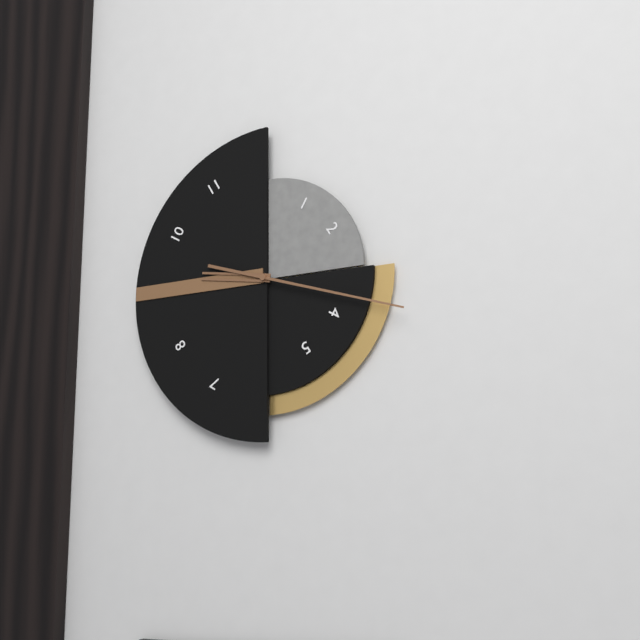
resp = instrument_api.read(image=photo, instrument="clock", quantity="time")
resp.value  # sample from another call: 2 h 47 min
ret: 9 h 18 min
